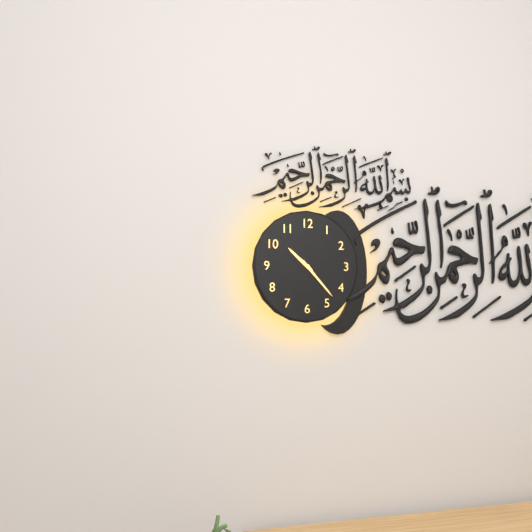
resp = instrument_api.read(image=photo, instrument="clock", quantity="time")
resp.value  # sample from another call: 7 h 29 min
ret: 10 h 23 min
